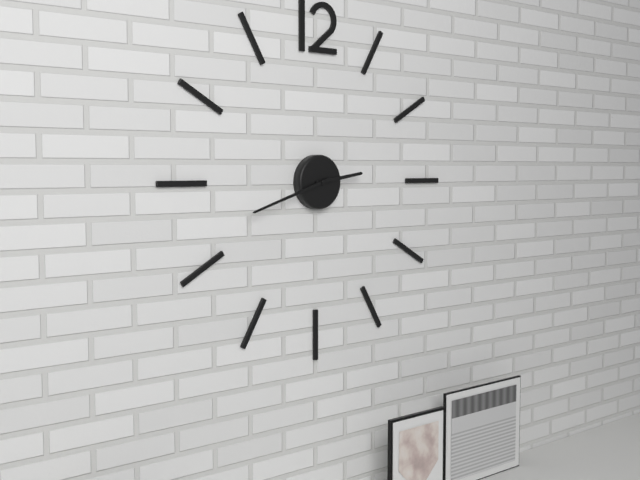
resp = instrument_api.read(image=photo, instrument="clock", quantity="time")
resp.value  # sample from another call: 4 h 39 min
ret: 2 h 42 min
